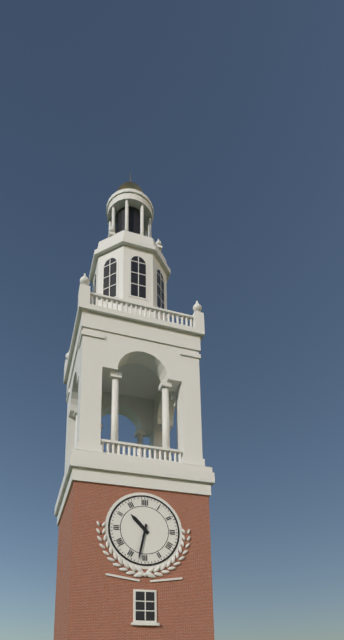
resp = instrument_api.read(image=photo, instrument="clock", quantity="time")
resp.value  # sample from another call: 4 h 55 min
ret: 10 h 32 min
